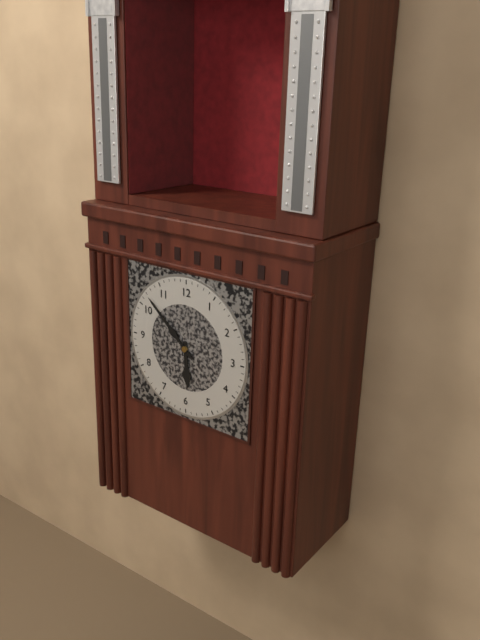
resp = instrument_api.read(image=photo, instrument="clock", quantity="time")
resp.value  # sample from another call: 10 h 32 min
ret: 5 h 52 min
